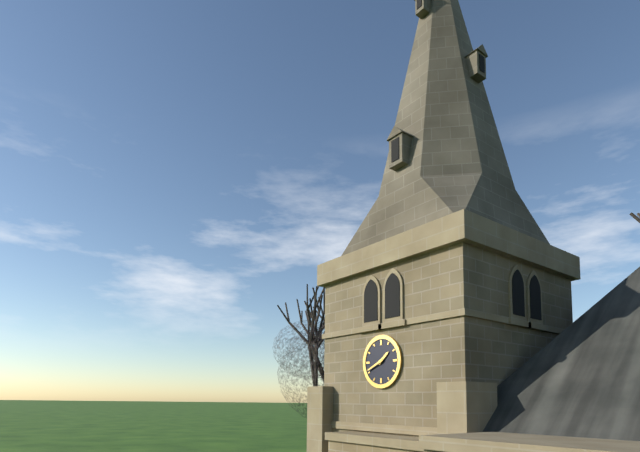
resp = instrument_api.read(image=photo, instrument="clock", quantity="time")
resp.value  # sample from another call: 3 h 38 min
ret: 1 h 41 min
